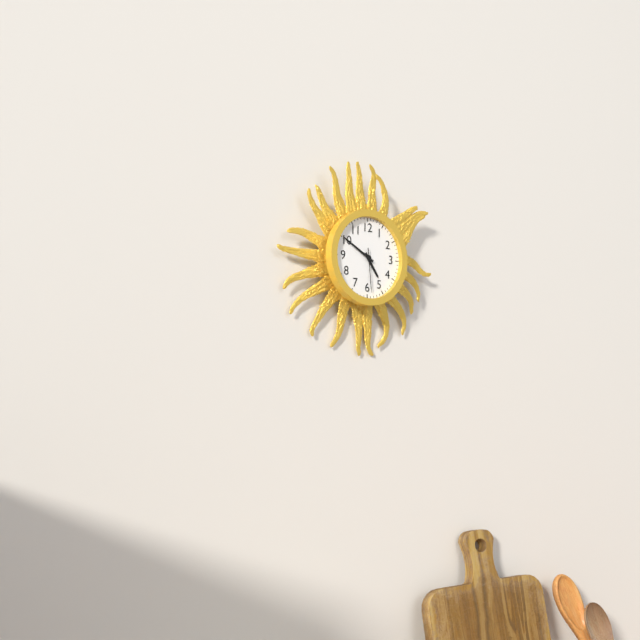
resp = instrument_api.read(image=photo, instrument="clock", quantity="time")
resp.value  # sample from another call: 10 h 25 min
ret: 4 h 50 min
